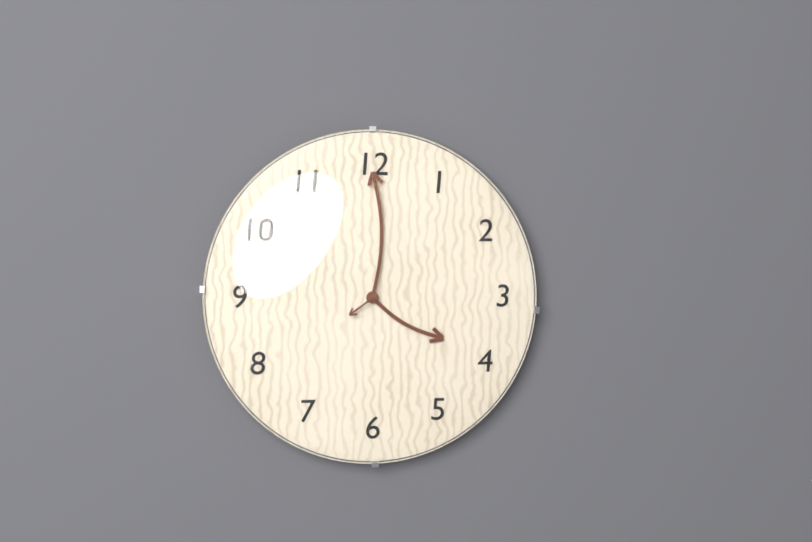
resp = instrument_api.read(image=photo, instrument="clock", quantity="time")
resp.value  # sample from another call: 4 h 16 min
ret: 4 h 00 min
